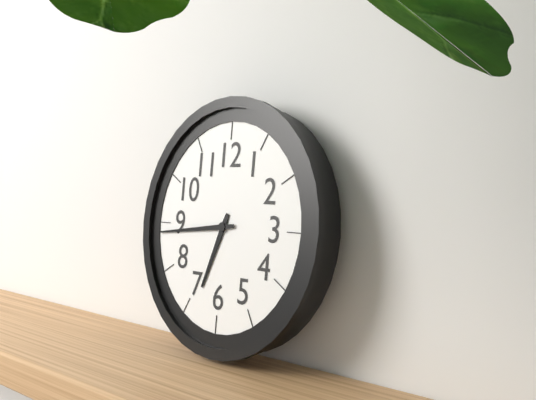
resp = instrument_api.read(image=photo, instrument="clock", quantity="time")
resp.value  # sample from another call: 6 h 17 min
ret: 6 h 44 min
